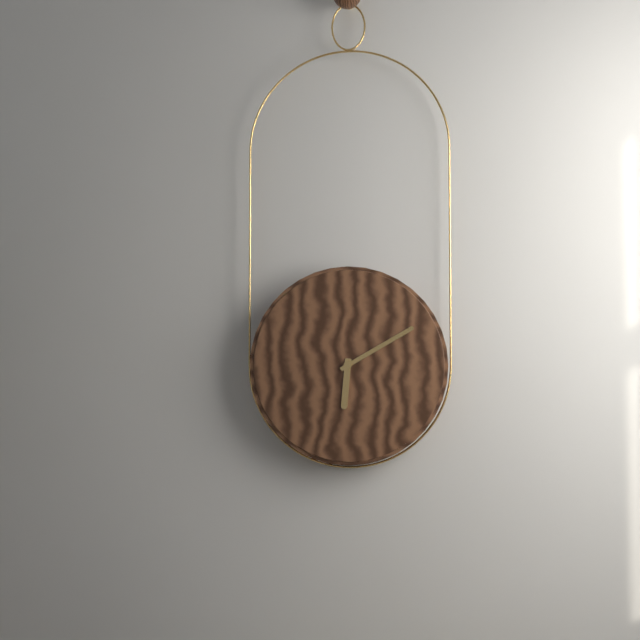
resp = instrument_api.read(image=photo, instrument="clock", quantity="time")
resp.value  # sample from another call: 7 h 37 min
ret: 6 h 10 min
